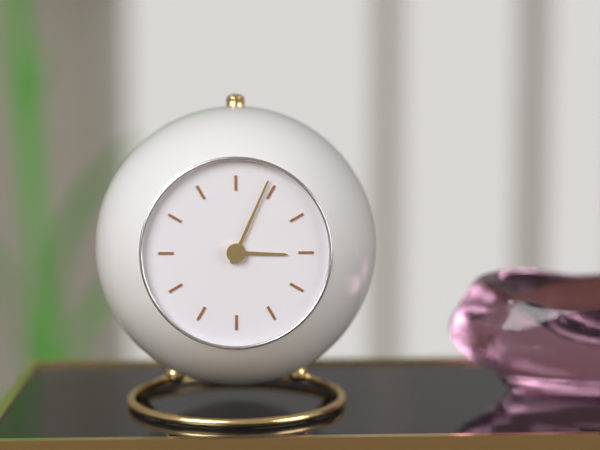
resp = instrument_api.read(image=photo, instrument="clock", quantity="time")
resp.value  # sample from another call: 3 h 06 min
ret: 3 h 04 min
